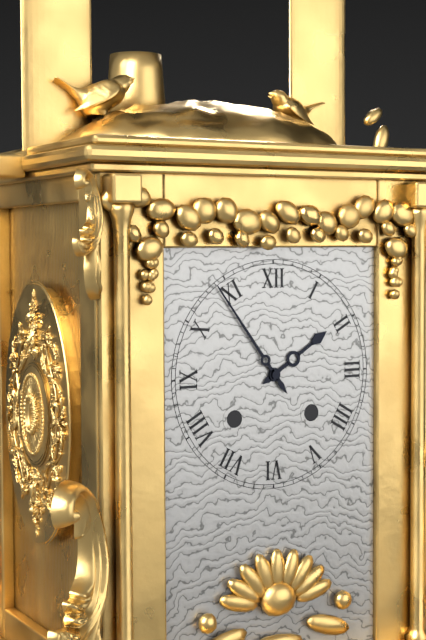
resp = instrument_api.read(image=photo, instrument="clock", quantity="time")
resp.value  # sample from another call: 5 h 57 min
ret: 1 h 54 min
